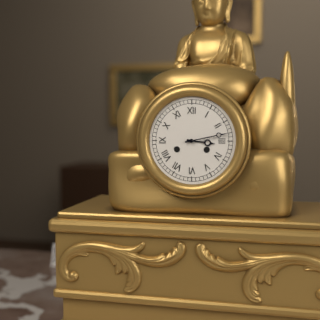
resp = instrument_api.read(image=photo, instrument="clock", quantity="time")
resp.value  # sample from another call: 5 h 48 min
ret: 3 h 13 min
